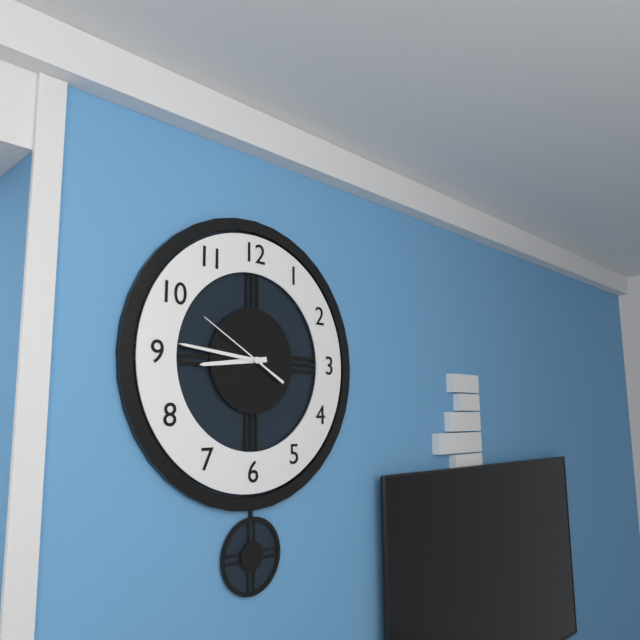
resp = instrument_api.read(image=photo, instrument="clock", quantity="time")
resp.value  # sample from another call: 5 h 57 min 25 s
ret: 8 h 46 min 50 s
